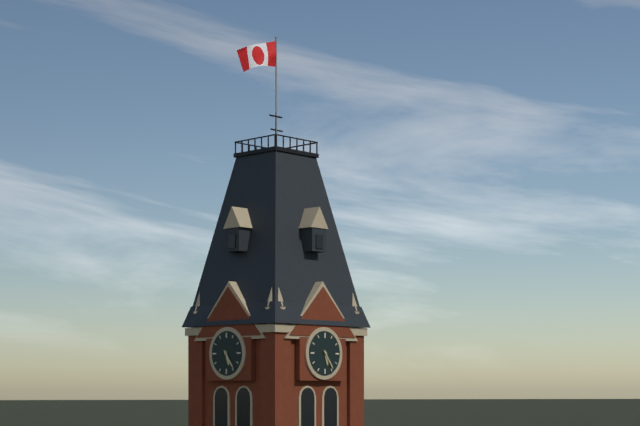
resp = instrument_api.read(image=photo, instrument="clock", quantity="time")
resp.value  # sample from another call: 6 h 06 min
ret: 5 h 24 min
